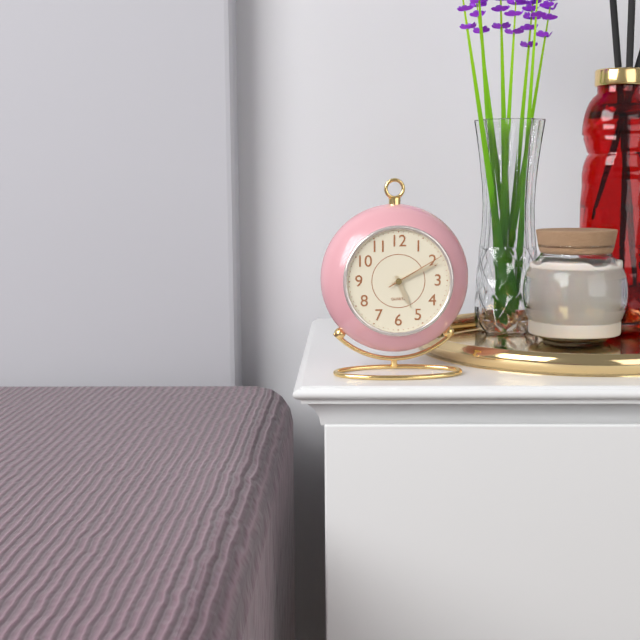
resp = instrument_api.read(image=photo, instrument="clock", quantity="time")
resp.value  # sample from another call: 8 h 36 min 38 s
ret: 5 h 11 min 10 s
